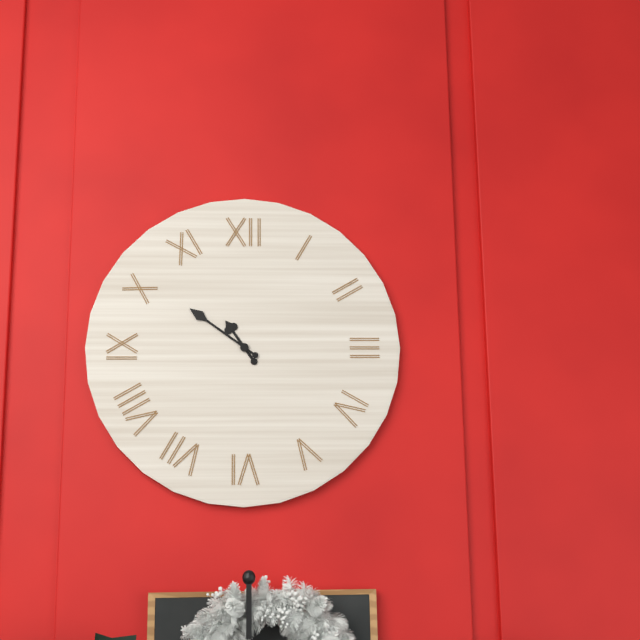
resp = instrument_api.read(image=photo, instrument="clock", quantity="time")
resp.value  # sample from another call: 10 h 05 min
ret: 10 h 51 min
